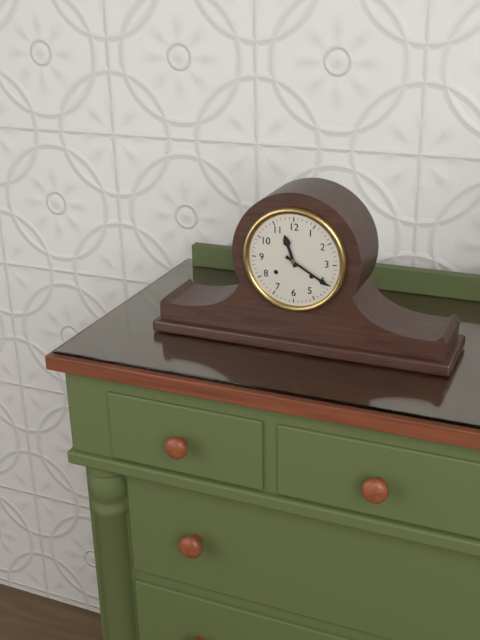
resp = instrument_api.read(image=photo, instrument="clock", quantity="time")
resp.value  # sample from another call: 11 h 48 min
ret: 11 h 20 min
